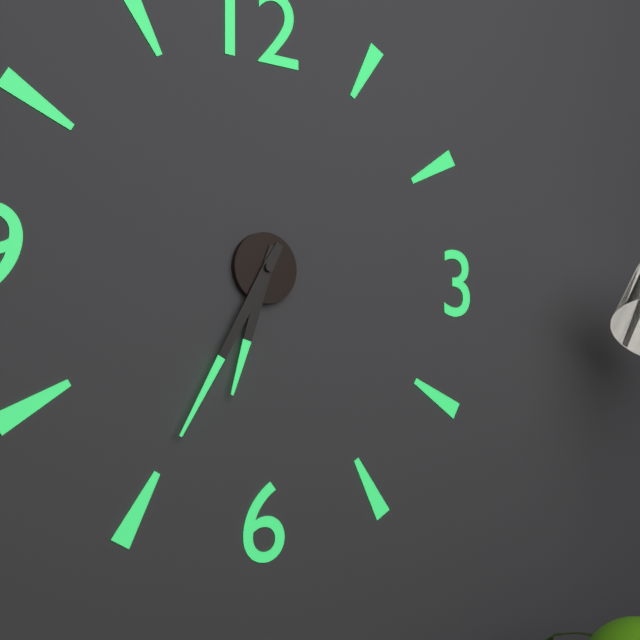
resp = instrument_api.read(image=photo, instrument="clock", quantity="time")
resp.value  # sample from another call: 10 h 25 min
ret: 6 h 35 min
